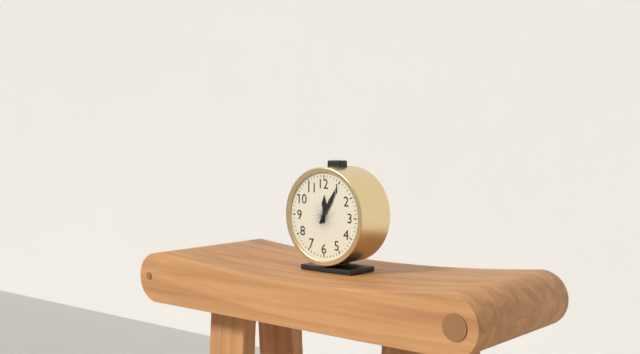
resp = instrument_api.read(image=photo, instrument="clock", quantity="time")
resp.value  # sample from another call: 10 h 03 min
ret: 12 h 05 min
